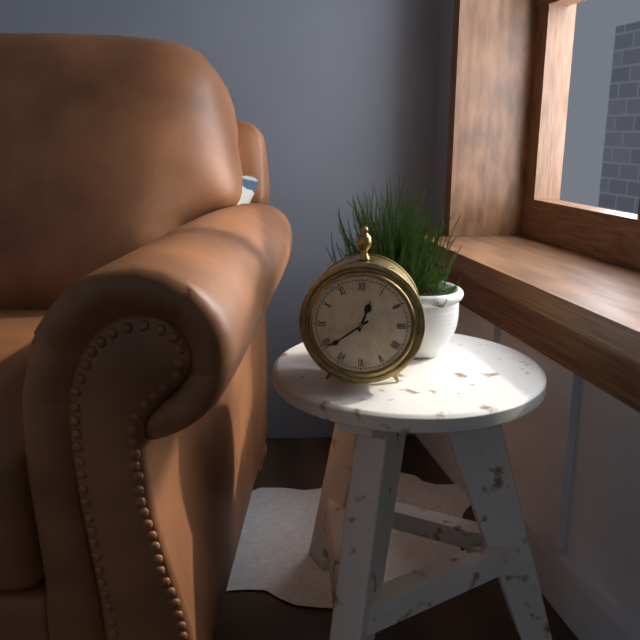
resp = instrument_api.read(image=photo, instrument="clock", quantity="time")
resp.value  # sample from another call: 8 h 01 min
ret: 12 h 39 min
